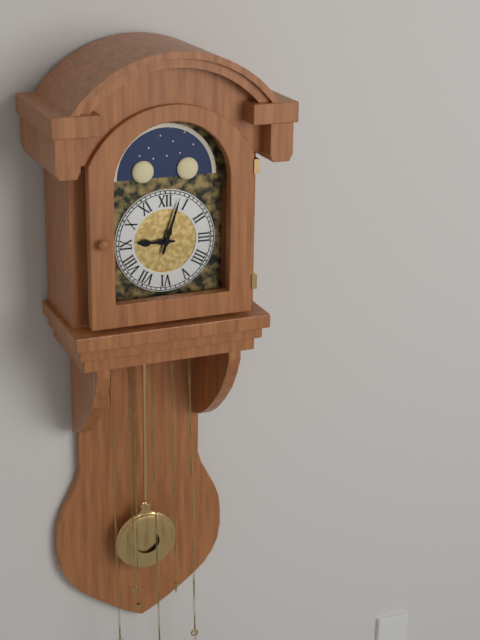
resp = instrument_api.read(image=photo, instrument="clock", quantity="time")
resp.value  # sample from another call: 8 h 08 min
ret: 9 h 03 min
